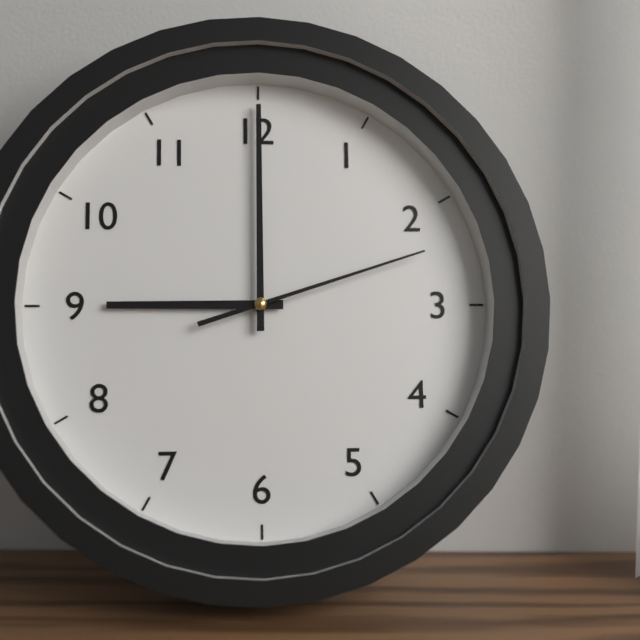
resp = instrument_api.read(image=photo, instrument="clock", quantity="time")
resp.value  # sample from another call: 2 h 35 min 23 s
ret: 9 h 00 min 12 s
